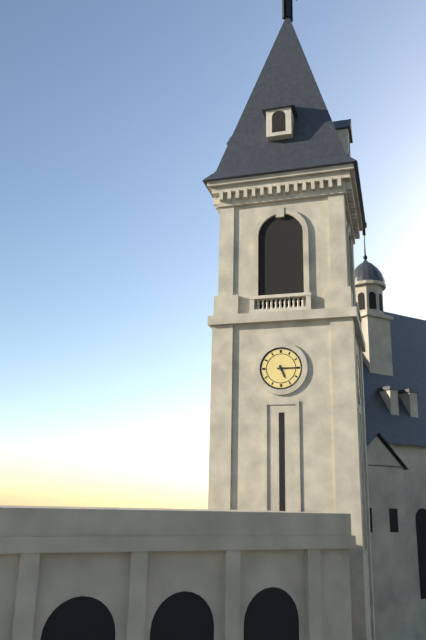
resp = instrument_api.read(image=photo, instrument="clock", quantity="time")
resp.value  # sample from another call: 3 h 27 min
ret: 5 h 15 min
